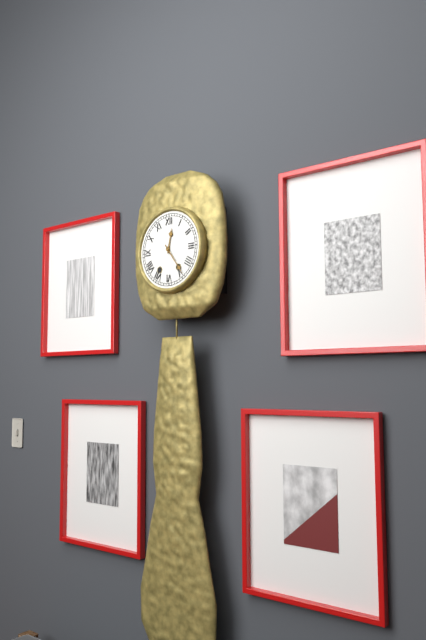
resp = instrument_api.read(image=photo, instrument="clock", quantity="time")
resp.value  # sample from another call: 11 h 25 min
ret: 12 h 24 min
